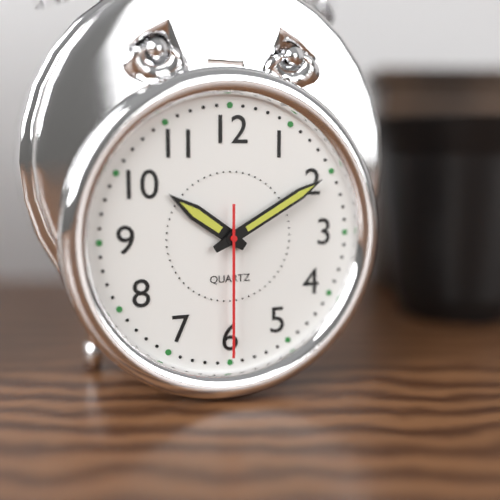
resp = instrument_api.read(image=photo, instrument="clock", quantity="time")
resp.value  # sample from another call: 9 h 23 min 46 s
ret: 10 h 10 min 30 s
